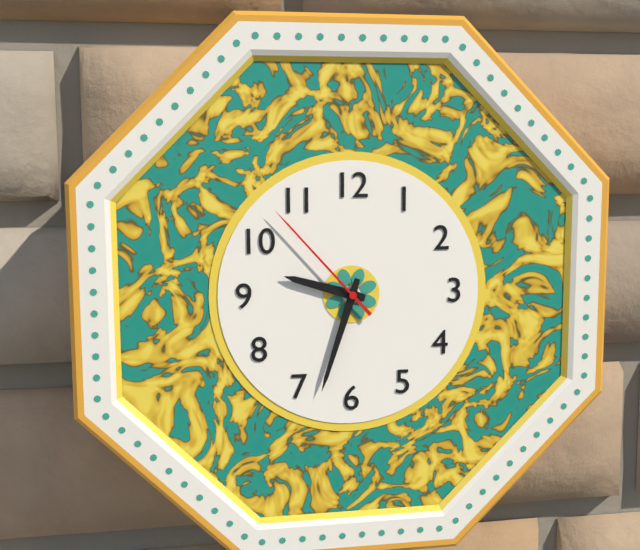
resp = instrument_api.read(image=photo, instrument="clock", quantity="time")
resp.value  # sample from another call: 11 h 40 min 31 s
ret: 9 h 33 min 53 s
